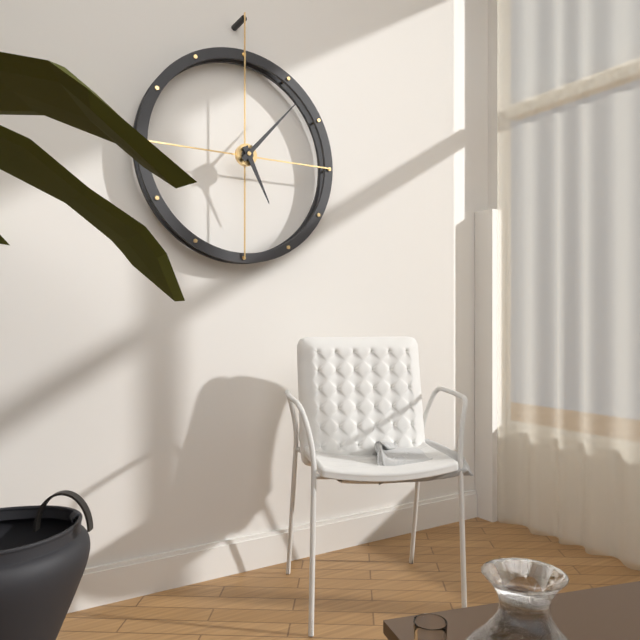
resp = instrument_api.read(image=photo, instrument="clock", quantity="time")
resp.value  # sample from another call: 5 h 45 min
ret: 5 h 07 min
